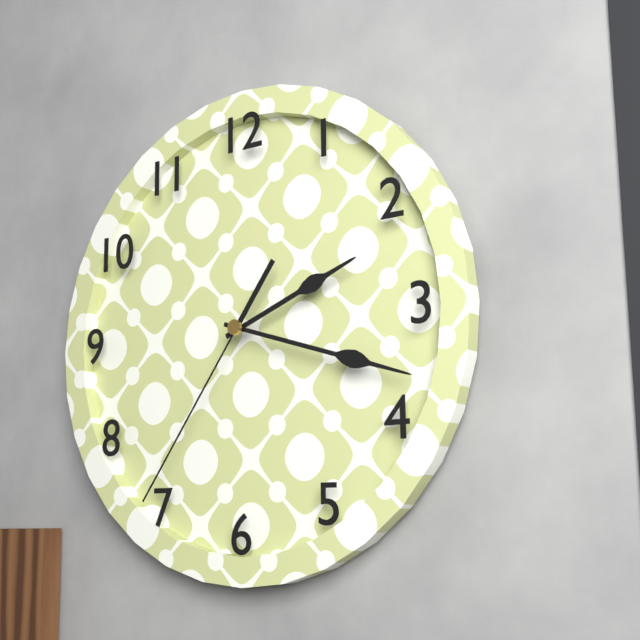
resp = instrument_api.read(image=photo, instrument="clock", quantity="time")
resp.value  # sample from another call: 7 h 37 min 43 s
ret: 2 h 18 min 36 s
